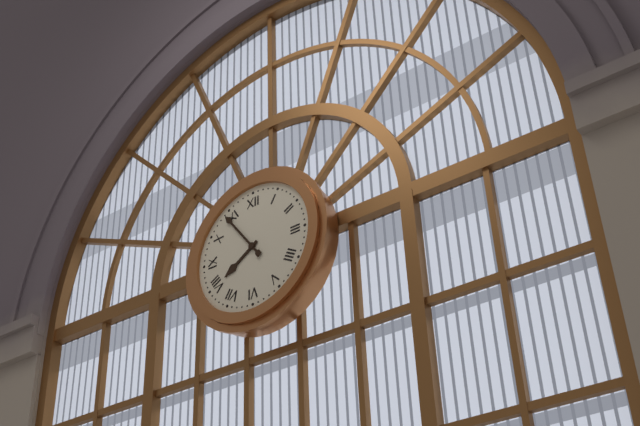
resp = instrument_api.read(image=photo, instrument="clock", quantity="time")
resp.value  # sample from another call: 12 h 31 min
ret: 7 h 54 min
